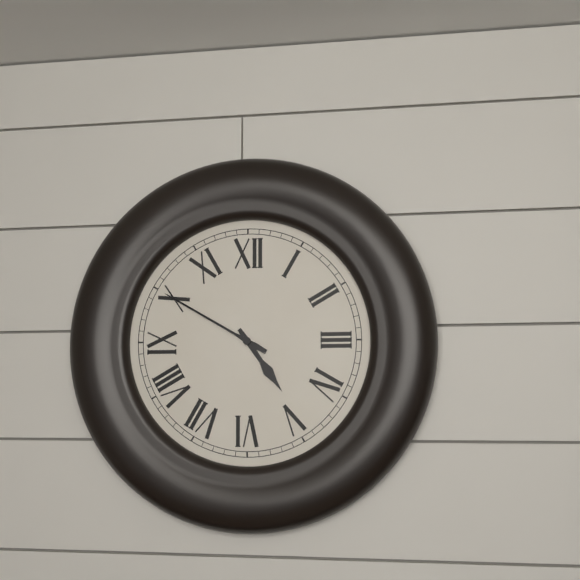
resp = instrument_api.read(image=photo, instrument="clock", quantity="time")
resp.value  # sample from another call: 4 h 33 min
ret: 4 h 50 min
